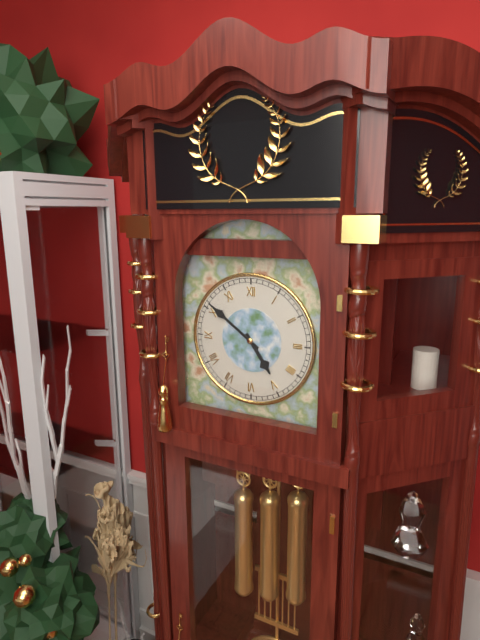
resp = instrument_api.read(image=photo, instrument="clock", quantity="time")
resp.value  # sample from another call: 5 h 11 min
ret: 4 h 51 min
